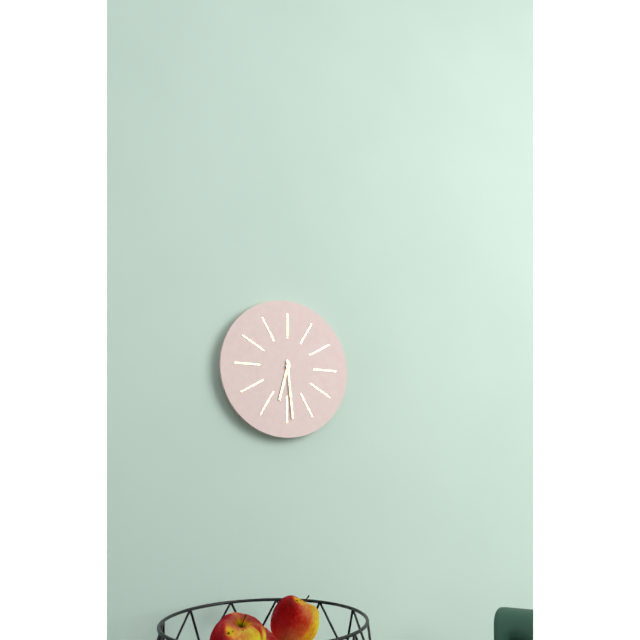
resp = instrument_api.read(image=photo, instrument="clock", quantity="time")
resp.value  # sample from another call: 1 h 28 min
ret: 6 h 29 min
